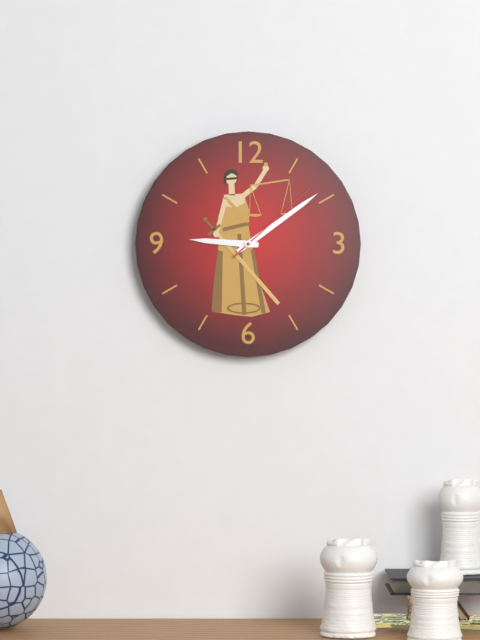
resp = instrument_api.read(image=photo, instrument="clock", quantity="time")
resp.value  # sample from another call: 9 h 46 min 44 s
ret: 9 h 09 min 08 s
